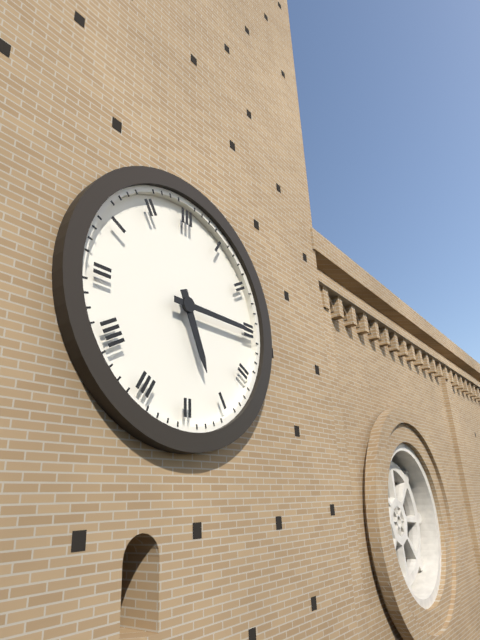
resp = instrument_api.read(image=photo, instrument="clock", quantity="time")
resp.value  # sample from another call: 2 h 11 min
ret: 5 h 15 min
